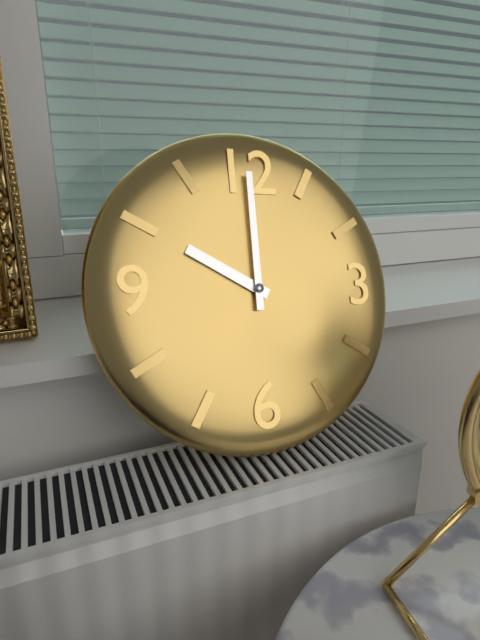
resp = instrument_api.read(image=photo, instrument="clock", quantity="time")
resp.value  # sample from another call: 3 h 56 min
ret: 10 h 00 min
